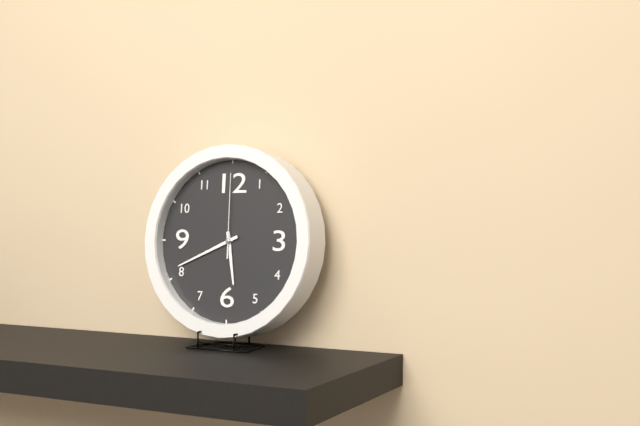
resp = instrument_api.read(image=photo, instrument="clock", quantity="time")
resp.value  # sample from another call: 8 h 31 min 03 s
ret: 5 h 41 min 00 s
